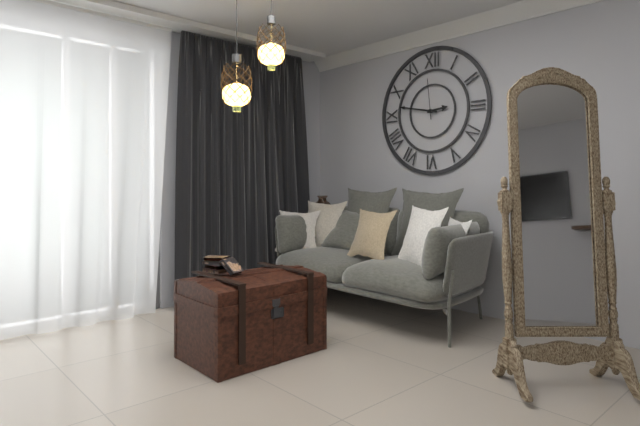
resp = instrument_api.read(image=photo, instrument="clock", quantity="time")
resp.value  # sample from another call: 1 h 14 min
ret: 2 h 47 min
